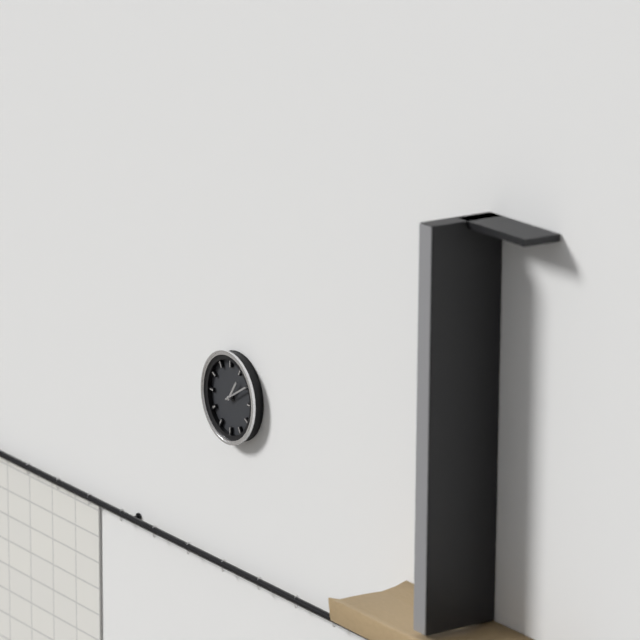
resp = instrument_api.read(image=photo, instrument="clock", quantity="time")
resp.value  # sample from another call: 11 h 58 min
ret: 1 h 10 min
